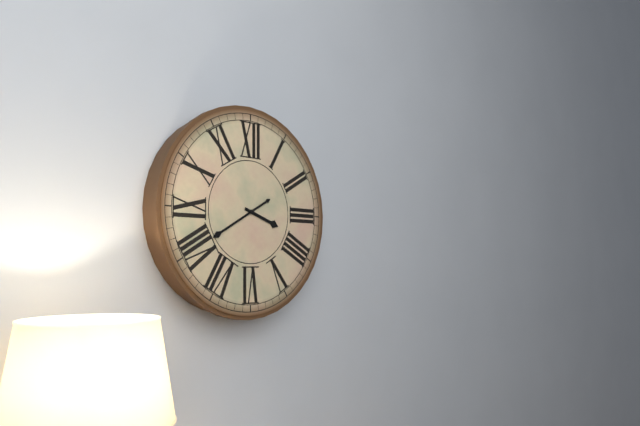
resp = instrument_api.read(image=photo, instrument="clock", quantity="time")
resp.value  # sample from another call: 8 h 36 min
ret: 3 h 40 min
